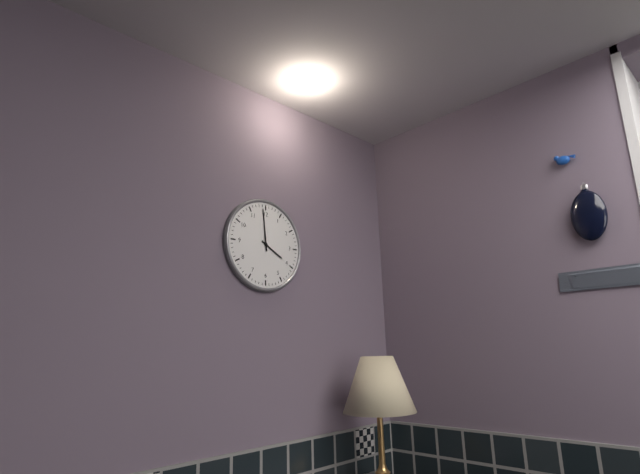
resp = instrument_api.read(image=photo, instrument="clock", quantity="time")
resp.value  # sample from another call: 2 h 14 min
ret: 3 h 59 min
